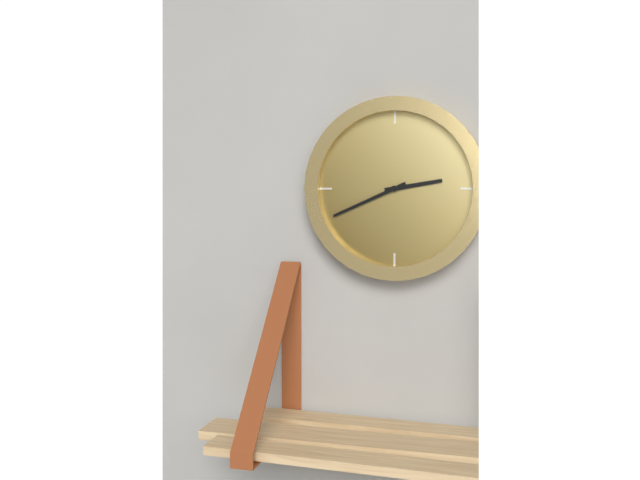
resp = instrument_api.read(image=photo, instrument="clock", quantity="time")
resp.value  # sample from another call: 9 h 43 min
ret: 2 h 41 min
